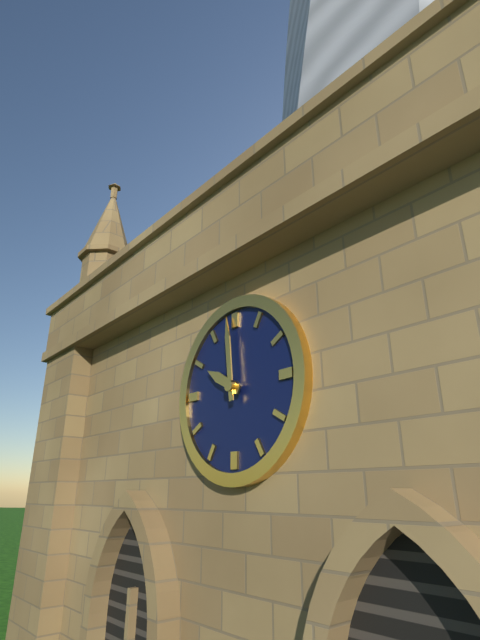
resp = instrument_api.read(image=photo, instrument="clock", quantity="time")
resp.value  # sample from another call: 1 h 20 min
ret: 9 h 59 min
